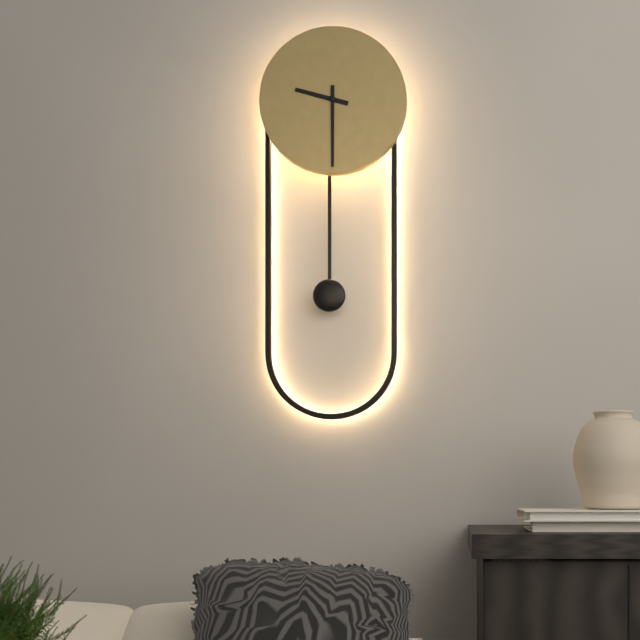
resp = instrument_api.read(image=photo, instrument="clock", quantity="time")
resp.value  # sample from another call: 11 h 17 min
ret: 9 h 30 min
